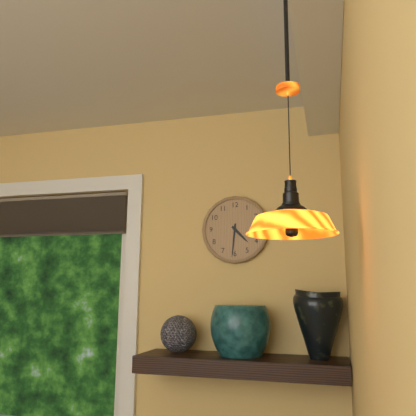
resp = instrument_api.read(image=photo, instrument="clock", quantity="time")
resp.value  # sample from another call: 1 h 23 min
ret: 4 h 31 min
